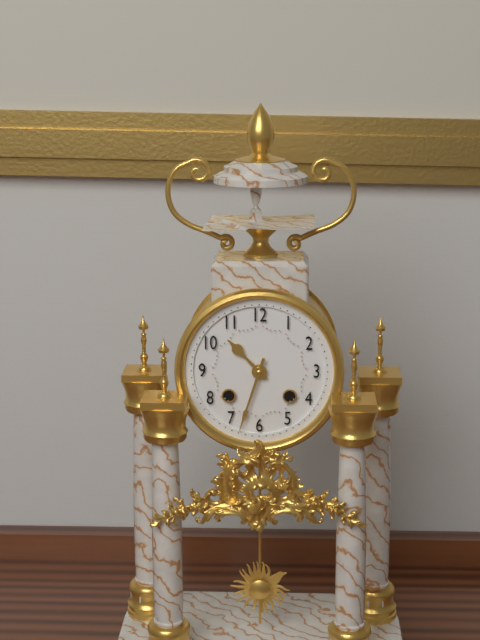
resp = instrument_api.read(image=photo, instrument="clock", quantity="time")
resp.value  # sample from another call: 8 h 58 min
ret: 10 h 33 min
